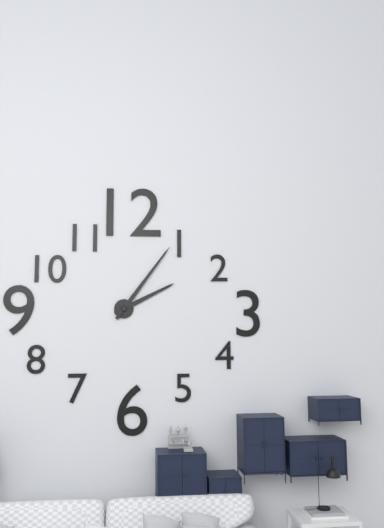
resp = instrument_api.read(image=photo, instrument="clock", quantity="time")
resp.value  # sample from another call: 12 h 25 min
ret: 2 h 06 min
